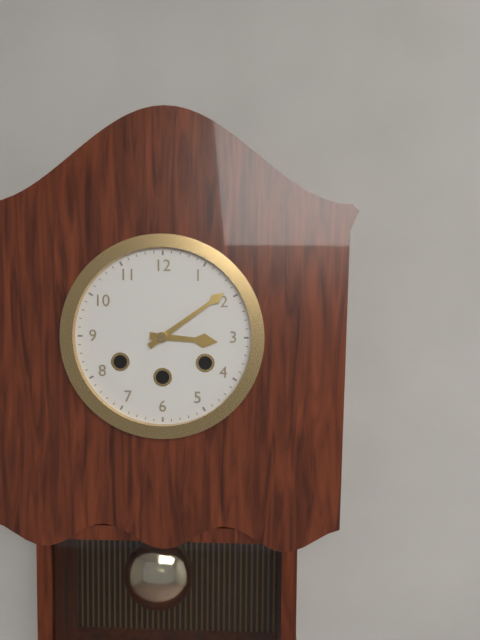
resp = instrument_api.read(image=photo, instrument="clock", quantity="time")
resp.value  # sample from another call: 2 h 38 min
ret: 3 h 09 min
